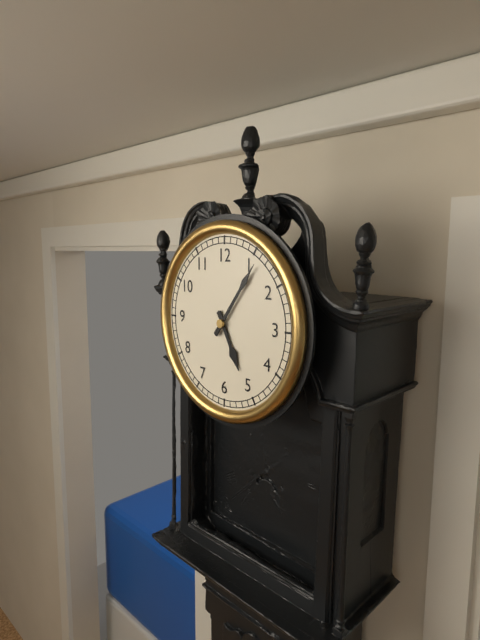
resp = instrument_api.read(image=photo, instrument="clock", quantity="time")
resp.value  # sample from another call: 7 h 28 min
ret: 5 h 06 min
